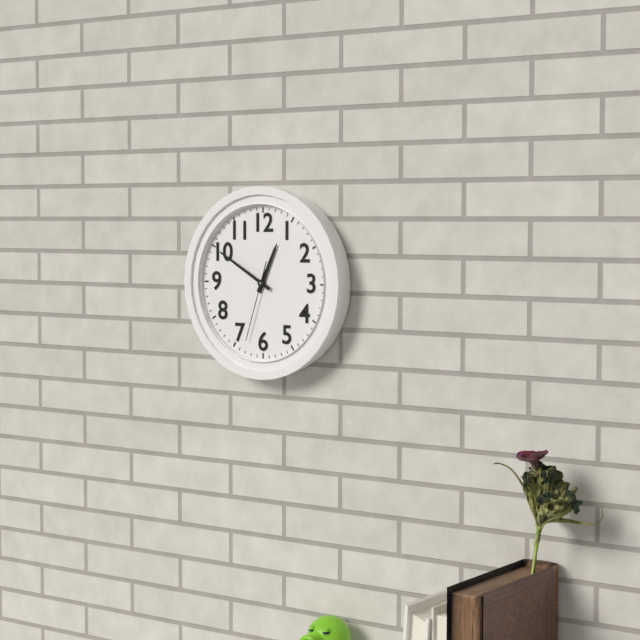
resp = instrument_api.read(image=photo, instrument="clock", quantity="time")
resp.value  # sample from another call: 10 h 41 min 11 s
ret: 12 h 50 min 33 s
